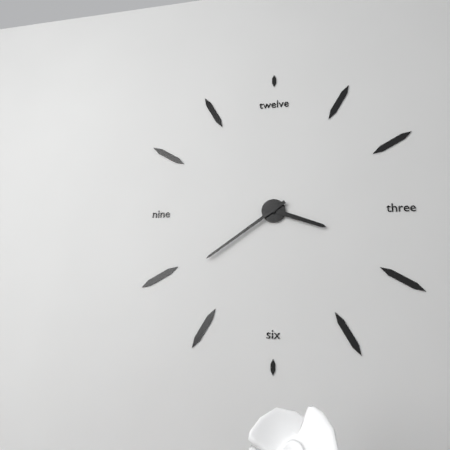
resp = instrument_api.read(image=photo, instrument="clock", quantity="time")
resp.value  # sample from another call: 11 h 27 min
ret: 3 h 39 min
